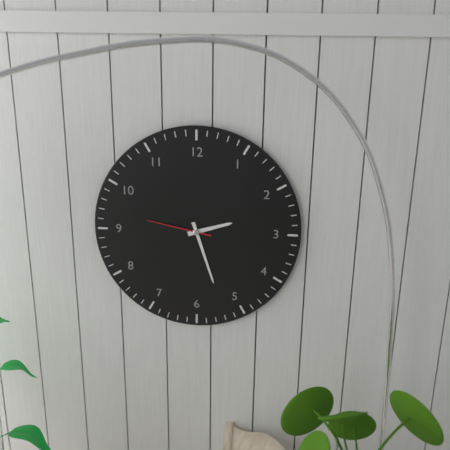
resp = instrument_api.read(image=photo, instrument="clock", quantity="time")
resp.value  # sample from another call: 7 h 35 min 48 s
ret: 2 h 27 min 47 s
